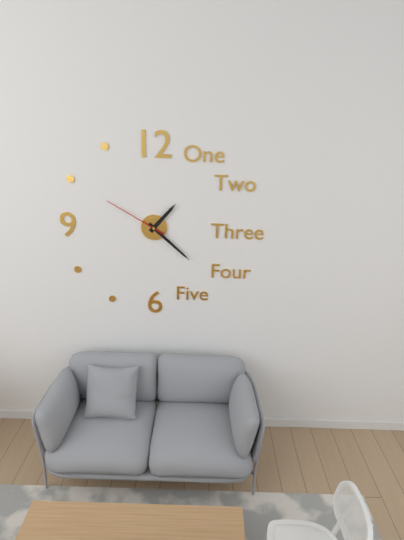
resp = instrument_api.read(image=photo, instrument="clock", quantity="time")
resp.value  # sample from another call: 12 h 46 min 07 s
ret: 1 h 22 min 50 s
